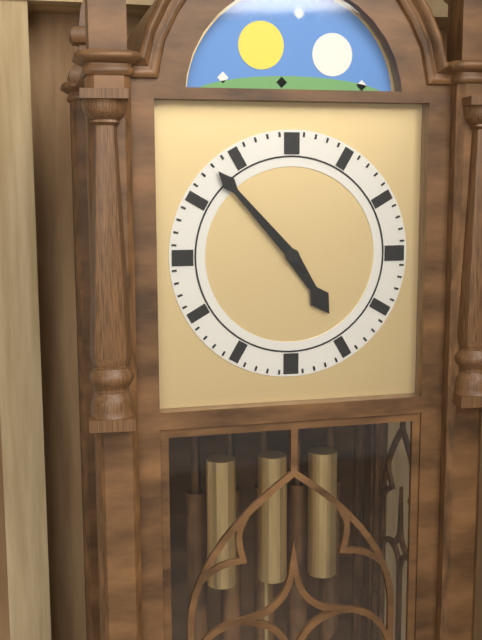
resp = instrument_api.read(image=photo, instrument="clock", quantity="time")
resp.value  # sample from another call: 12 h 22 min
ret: 4 h 53 min
